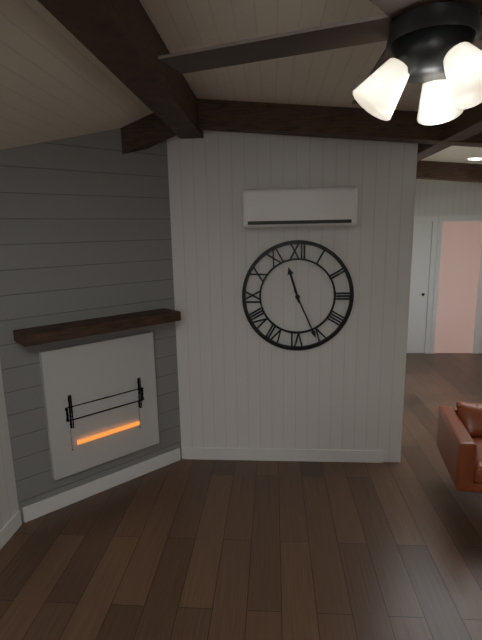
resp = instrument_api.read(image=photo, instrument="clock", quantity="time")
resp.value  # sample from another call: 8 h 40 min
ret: 11 h 26 min
